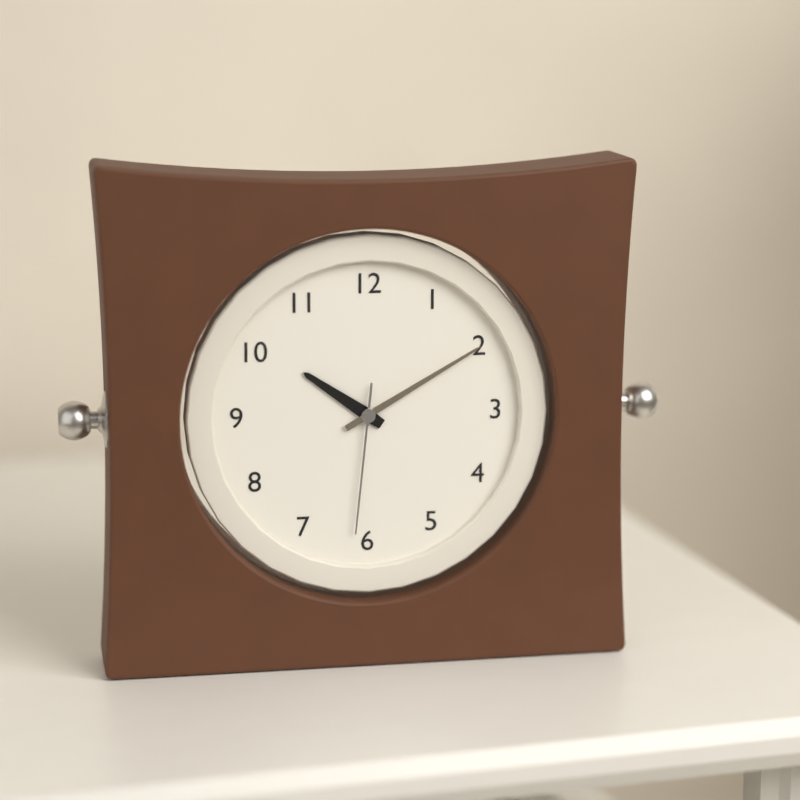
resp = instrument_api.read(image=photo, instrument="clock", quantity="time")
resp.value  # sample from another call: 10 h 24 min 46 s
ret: 10 h 10 min 31 s
